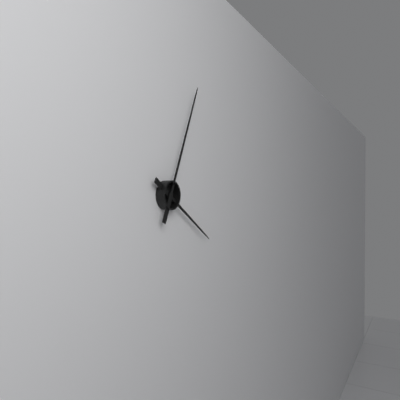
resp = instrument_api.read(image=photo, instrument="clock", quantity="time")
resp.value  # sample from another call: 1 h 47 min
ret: 4 h 04 min
